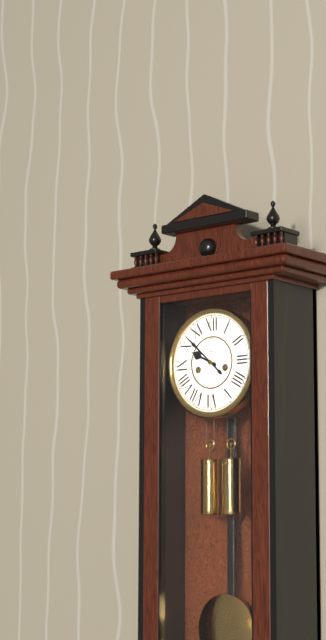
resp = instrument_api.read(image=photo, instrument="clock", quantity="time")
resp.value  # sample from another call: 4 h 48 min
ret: 9 h 52 min
